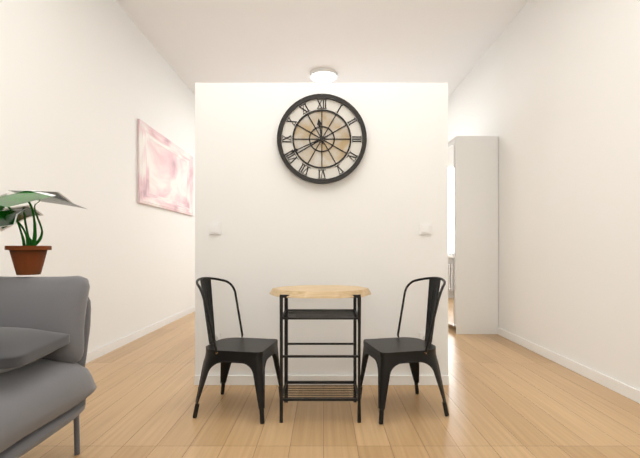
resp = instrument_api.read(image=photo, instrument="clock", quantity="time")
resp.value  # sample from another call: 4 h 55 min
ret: 11 h 41 min
